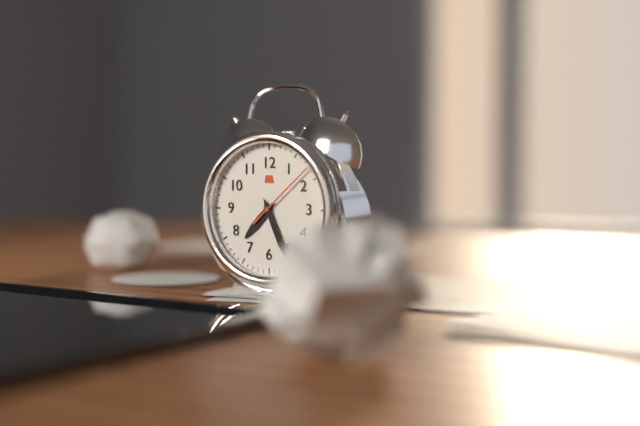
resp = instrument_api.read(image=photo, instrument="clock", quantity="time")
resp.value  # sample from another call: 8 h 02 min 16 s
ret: 7 h 26 min 08 s
